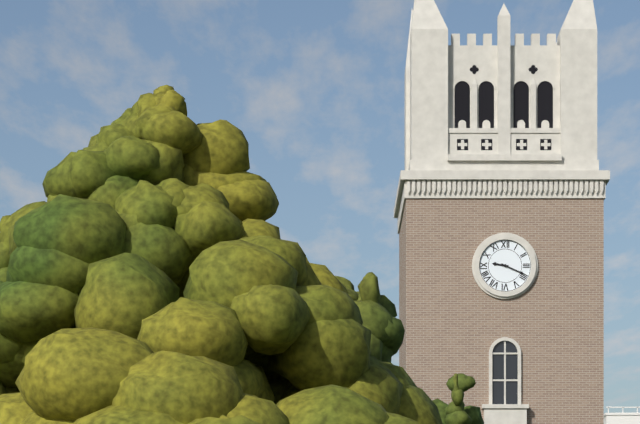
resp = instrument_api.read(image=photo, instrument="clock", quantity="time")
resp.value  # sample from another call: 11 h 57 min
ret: 9 h 19 min
